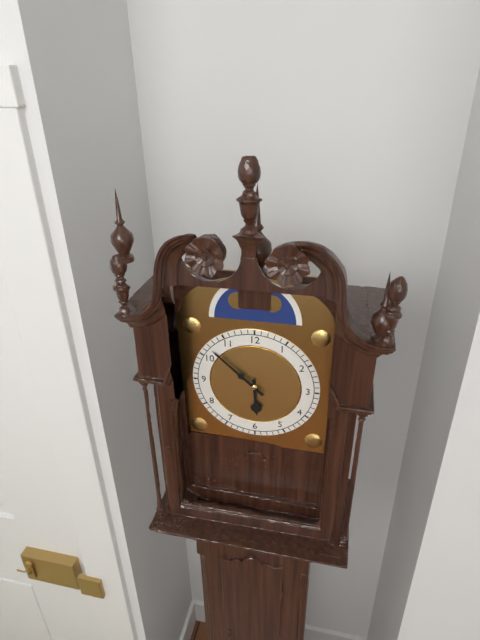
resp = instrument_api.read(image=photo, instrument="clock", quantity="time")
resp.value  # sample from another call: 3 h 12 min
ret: 5 h 52 min
